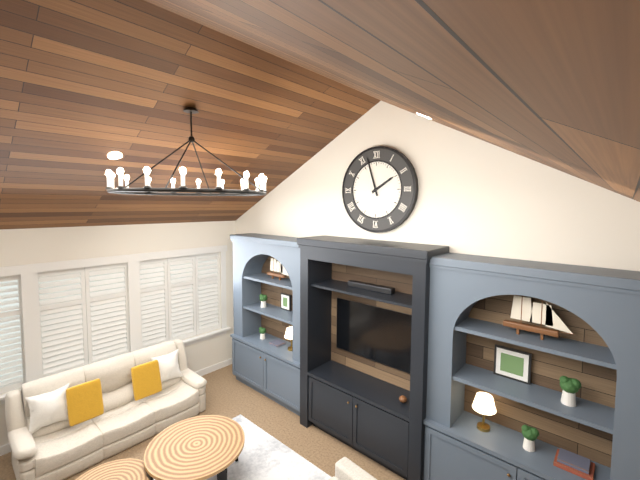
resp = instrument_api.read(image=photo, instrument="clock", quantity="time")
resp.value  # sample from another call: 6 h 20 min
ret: 1 h 57 min
